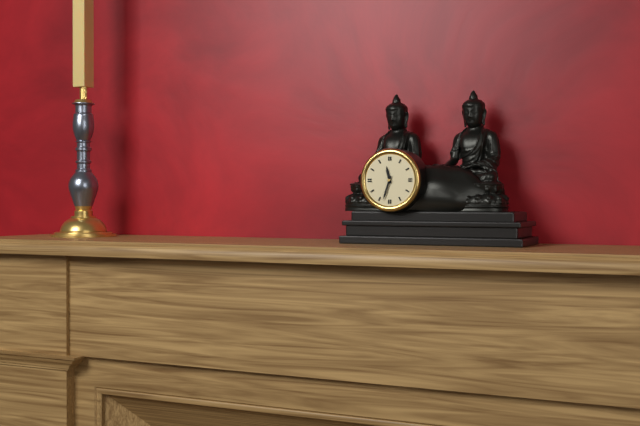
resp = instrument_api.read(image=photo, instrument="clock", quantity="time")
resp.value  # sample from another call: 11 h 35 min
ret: 11 h 33 min
